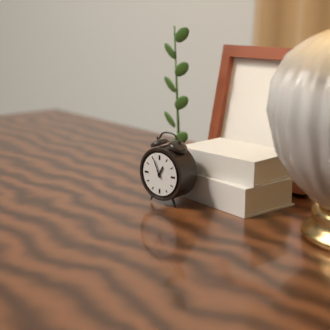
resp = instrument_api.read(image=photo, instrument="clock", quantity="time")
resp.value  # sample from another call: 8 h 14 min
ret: 12 h 56 min
